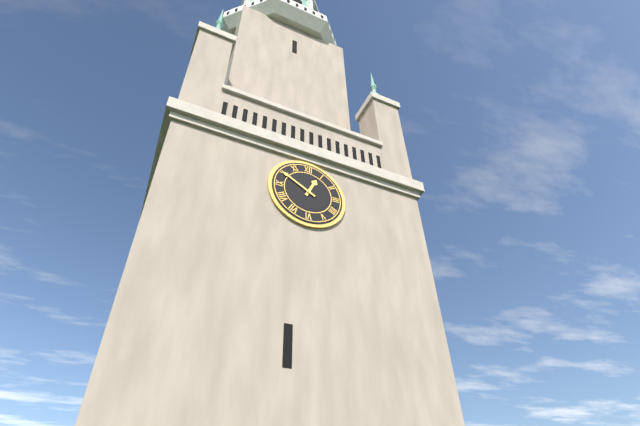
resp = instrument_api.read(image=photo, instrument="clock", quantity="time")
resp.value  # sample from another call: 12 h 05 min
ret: 12 h 50 min
